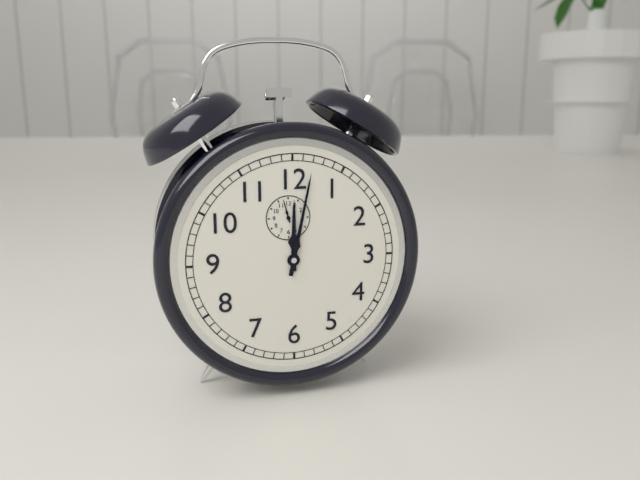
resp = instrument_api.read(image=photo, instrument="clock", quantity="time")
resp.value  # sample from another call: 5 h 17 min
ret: 12 h 02 min
